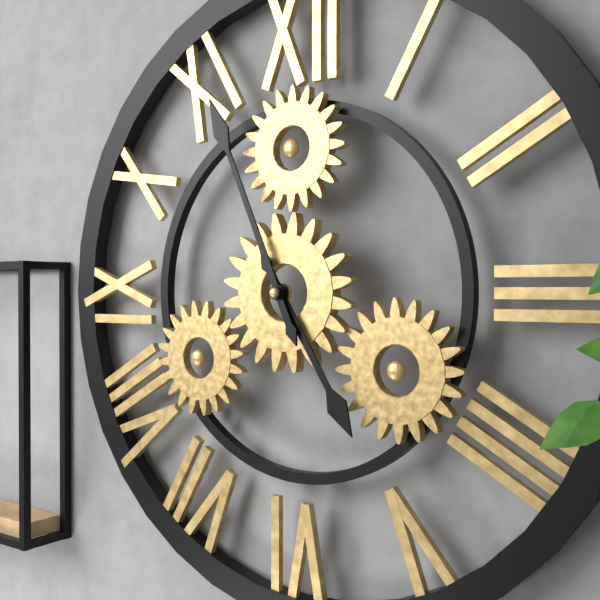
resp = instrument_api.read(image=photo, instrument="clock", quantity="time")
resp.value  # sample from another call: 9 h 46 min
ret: 4 h 56 min
